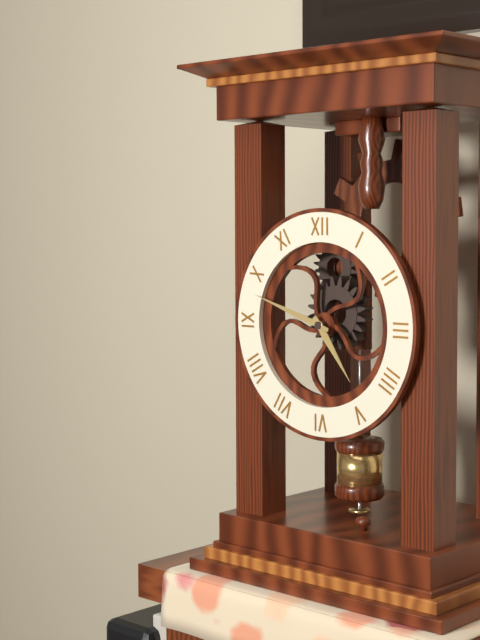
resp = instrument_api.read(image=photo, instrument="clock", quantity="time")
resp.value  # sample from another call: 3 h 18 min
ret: 4 h 48 min
